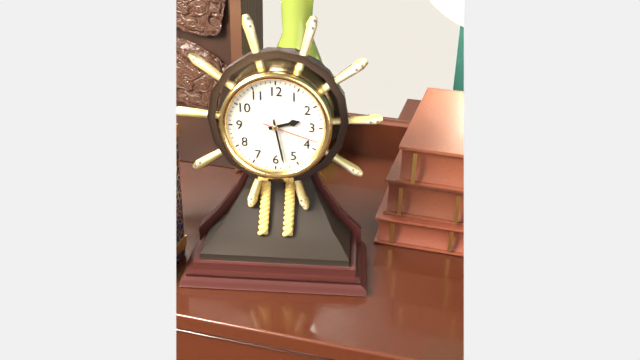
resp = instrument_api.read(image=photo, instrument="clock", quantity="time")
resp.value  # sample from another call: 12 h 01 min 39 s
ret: 2 h 28 min 18 s
